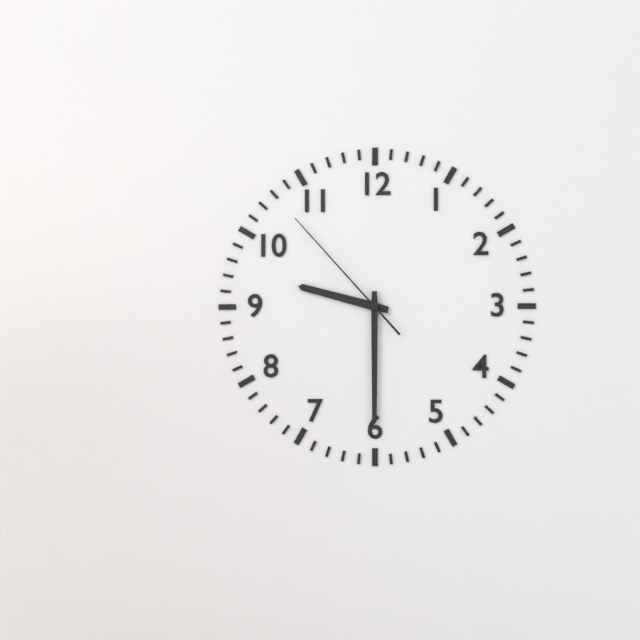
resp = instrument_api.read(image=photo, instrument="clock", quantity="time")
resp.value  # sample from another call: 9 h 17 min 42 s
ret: 9 h 30 min 53 s
